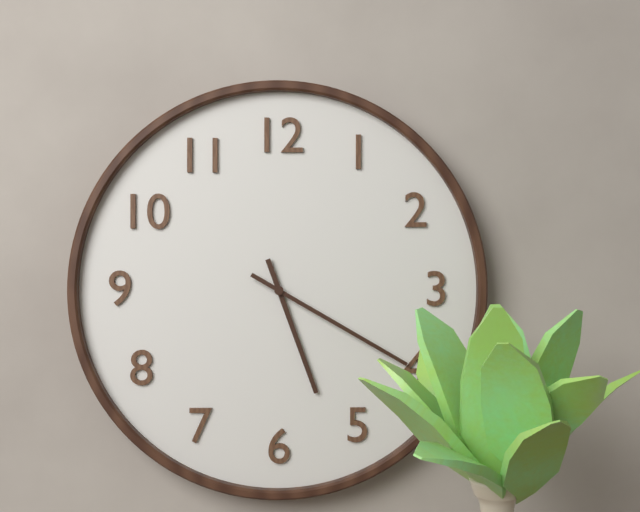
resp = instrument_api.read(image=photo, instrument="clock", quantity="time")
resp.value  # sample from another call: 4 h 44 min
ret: 5 h 20 min
